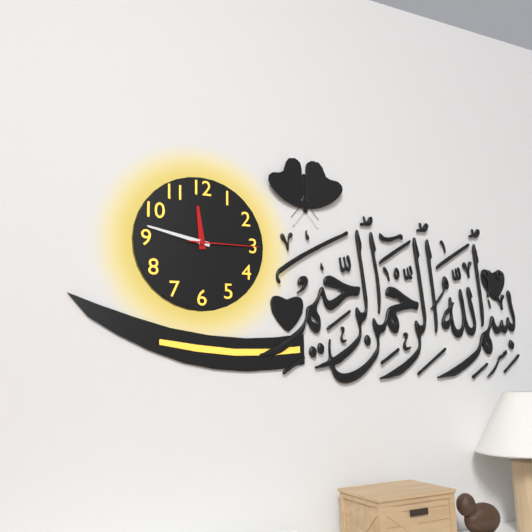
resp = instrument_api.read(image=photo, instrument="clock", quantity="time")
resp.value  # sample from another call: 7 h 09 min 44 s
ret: 11 h 47 min 15 s
